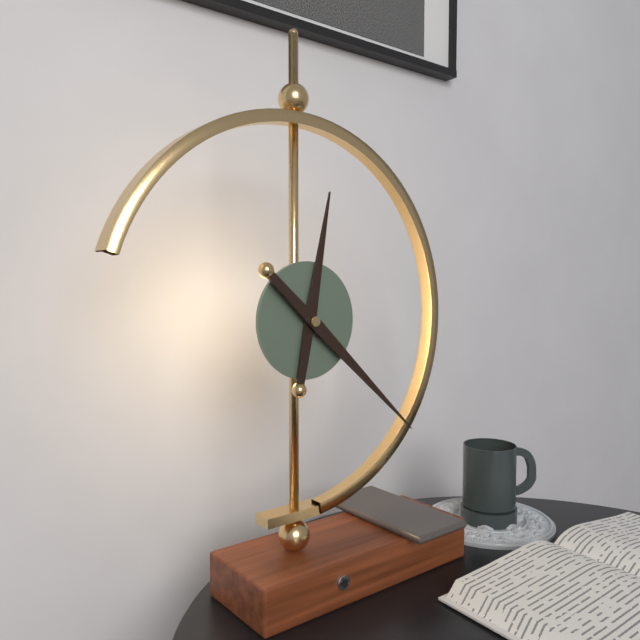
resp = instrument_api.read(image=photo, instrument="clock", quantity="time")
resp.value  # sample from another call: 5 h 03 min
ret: 12 h 22 min
